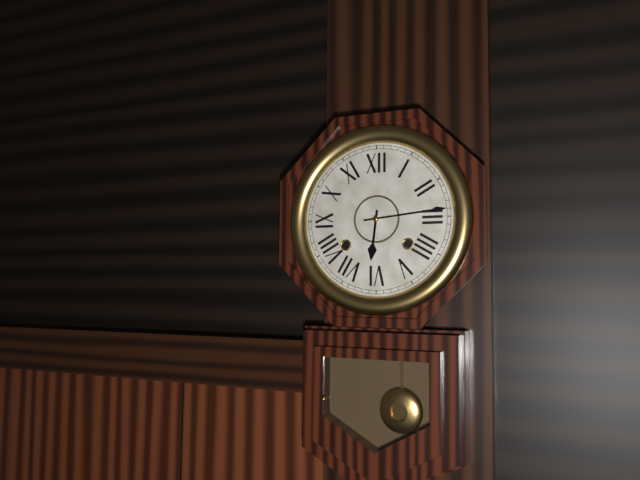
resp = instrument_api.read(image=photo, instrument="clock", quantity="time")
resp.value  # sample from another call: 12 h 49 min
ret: 6 h 14 min
